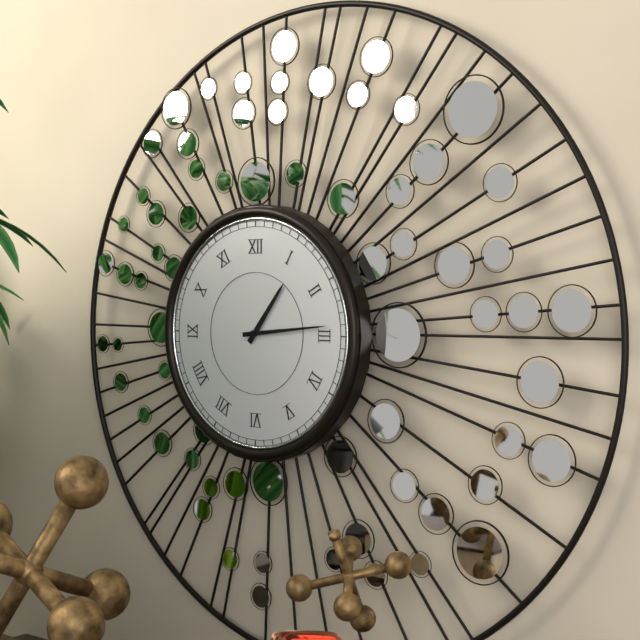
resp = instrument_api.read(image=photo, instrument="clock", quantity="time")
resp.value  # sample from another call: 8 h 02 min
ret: 1 h 14 min
